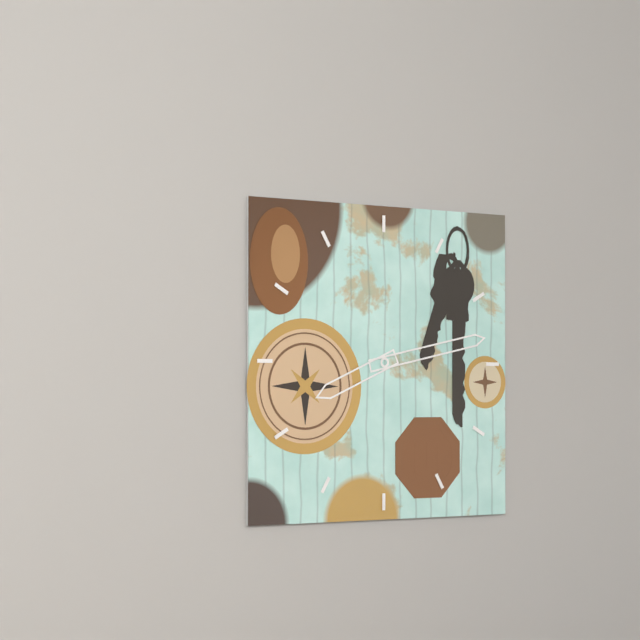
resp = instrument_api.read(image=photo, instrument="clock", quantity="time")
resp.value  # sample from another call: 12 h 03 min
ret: 8 h 13 min
